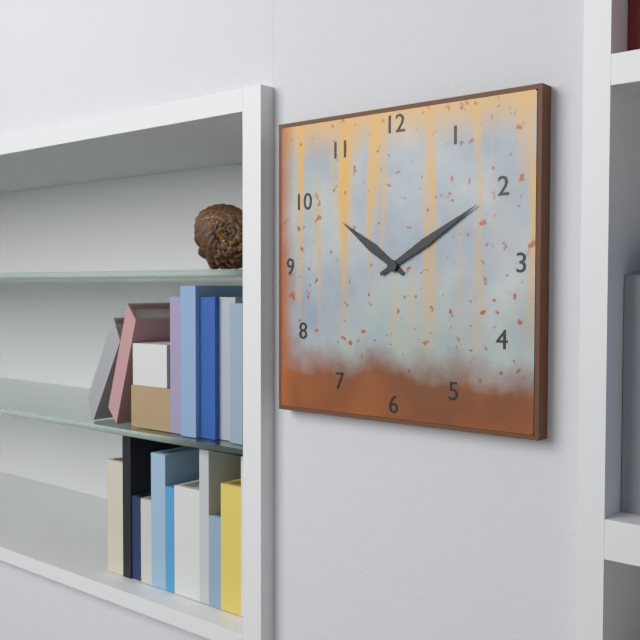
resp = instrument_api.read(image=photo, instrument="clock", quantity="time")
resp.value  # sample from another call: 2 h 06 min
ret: 10 h 10 min
